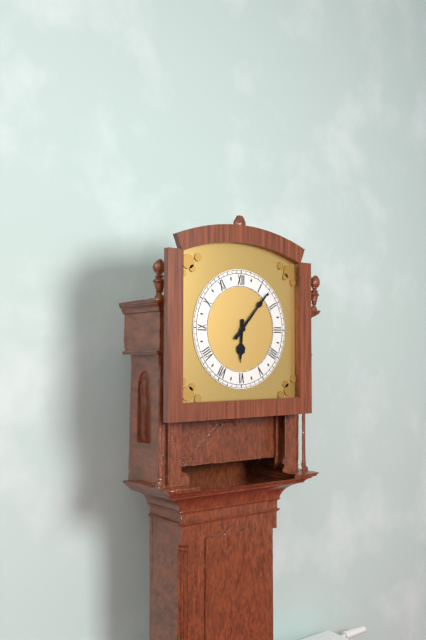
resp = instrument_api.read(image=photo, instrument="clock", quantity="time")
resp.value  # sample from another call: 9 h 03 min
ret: 6 h 07 min
